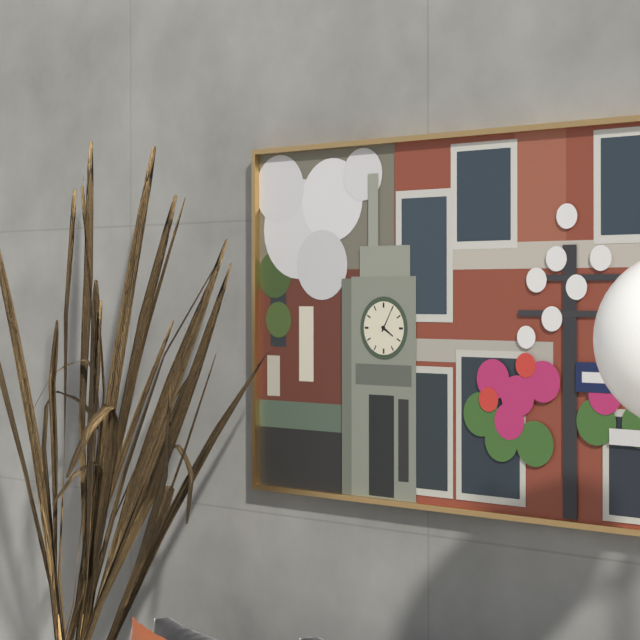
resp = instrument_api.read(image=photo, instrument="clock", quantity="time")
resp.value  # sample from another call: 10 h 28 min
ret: 4 h 05 min
